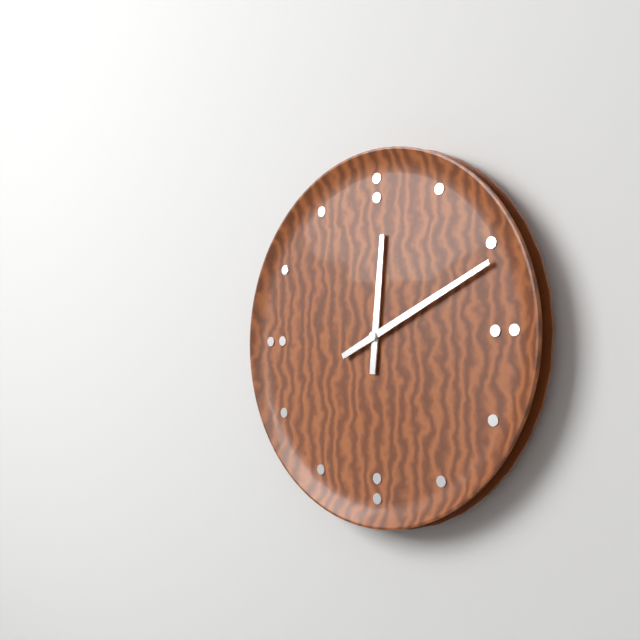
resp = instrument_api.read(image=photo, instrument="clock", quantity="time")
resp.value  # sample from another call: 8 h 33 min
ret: 12 h 11 min
